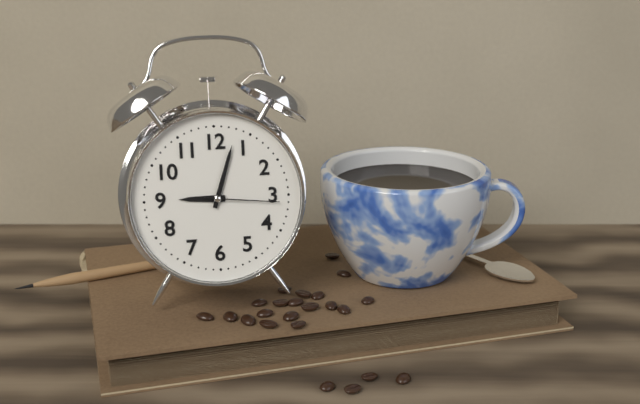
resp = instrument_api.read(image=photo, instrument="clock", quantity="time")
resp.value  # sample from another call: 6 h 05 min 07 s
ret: 9 h 03 min 16 s
